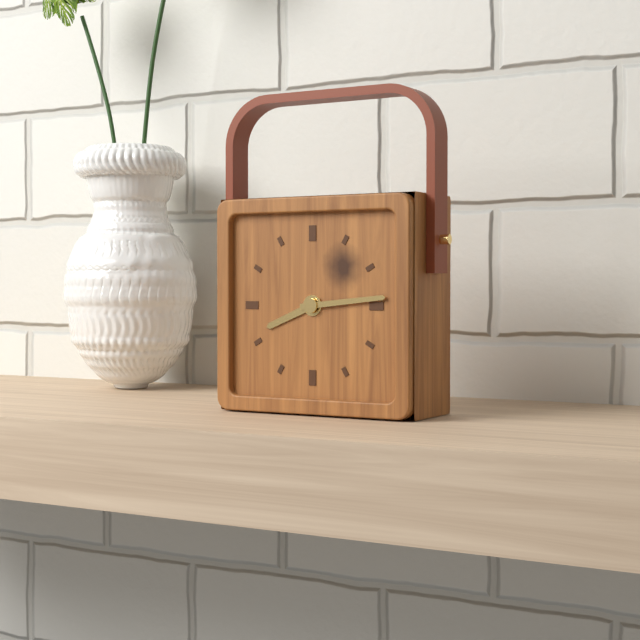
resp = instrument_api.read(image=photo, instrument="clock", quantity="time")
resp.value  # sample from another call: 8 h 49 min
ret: 8 h 14 min
